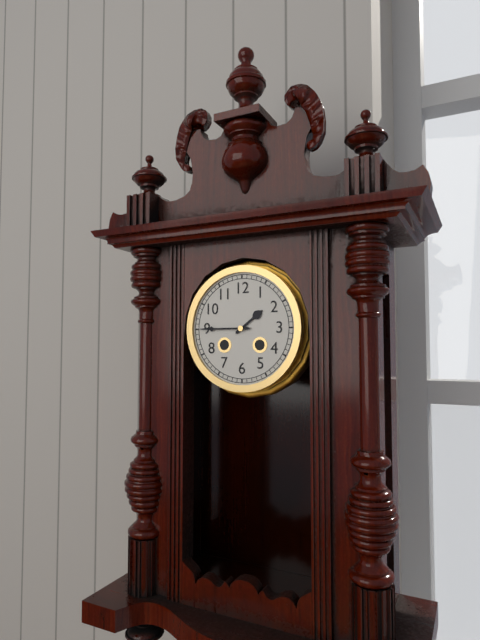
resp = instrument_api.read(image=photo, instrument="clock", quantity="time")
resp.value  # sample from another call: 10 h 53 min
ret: 1 h 45 min
